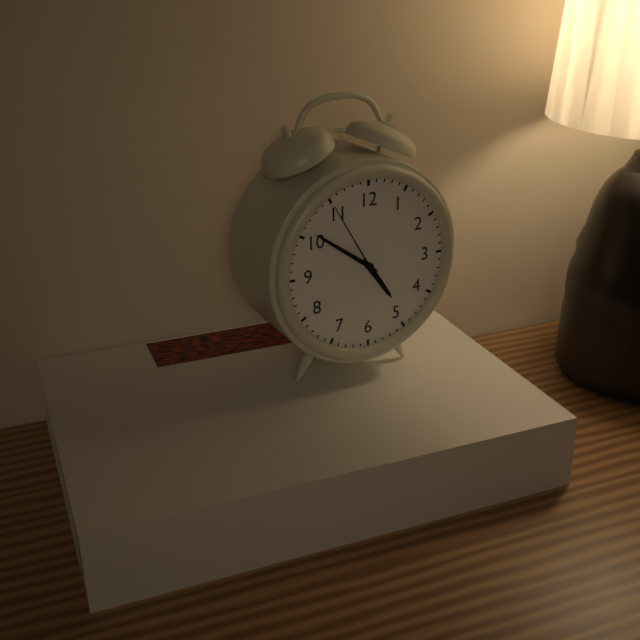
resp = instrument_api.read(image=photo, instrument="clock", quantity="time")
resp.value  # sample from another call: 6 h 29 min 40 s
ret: 4 h 51 min 55 s
